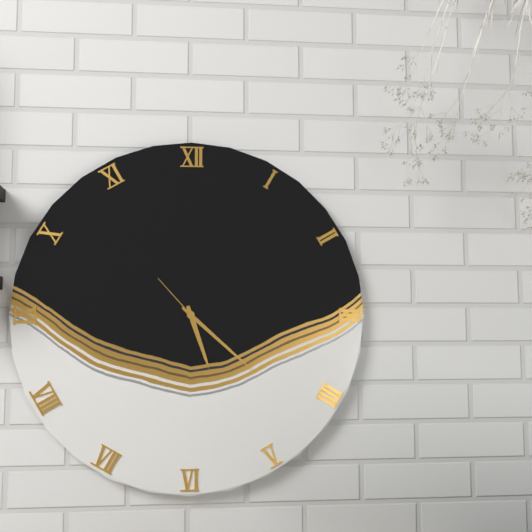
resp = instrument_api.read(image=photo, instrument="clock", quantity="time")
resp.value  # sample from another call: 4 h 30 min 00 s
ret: 5 h 22 min 53 s
